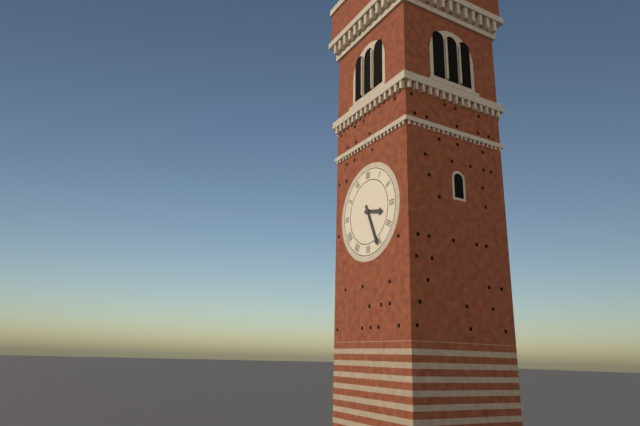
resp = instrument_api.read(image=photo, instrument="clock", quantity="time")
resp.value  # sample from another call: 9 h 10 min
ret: 3 h 26 min
